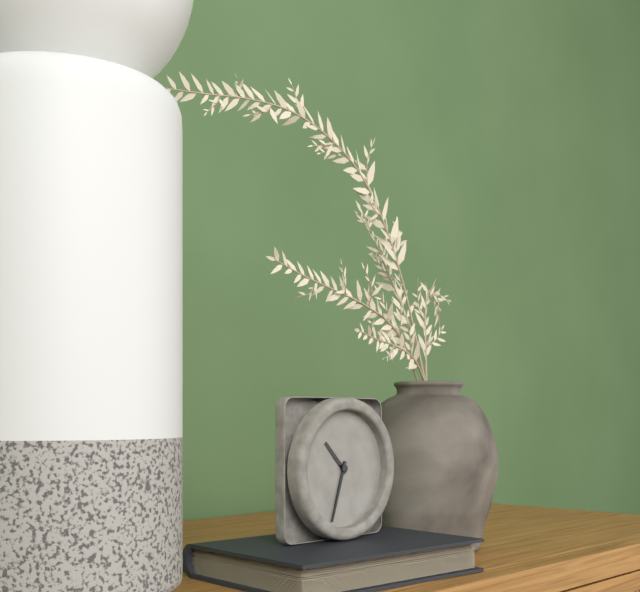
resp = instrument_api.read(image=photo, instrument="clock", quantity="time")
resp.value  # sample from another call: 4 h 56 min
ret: 10 h 33 min
